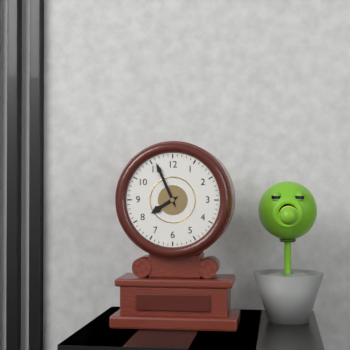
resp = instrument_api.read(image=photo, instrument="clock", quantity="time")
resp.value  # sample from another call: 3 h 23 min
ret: 7 h 56 min
